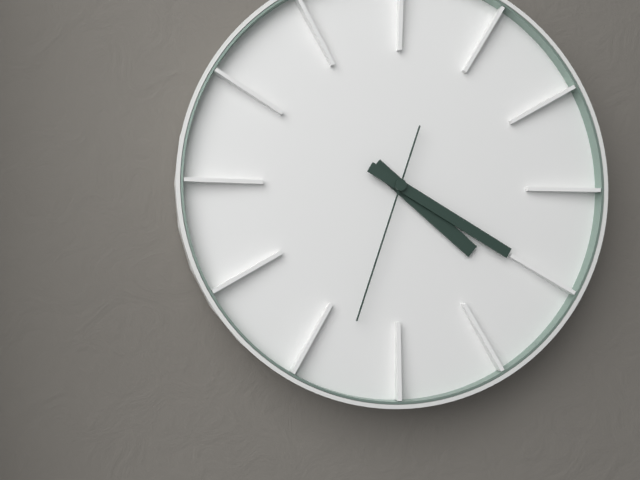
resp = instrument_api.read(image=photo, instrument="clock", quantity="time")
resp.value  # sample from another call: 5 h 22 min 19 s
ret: 4 h 20 min 33 s
